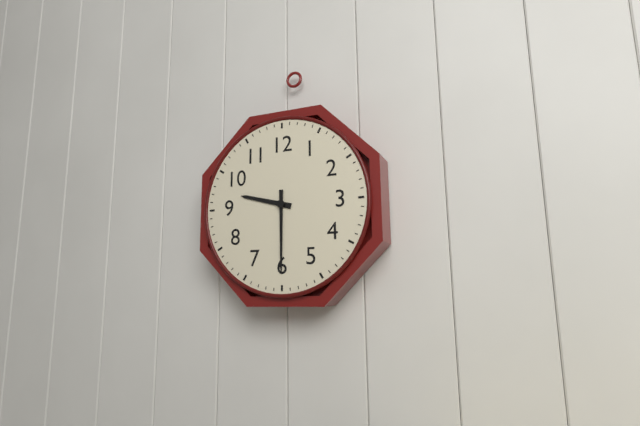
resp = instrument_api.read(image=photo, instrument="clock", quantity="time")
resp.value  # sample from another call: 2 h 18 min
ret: 9 h 30 min
